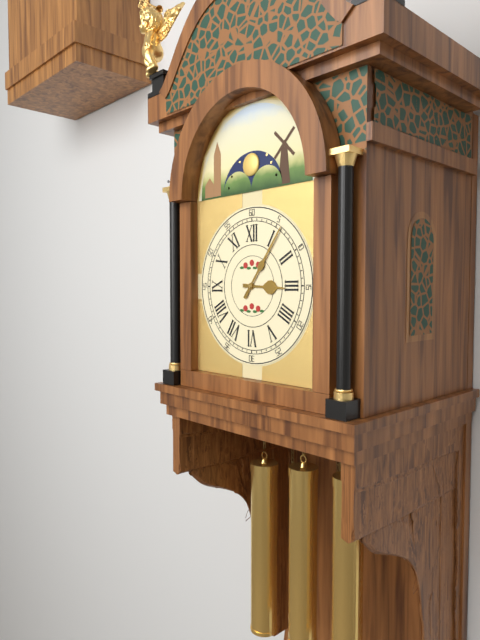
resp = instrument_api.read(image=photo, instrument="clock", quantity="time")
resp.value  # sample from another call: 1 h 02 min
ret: 3 h 06 min
